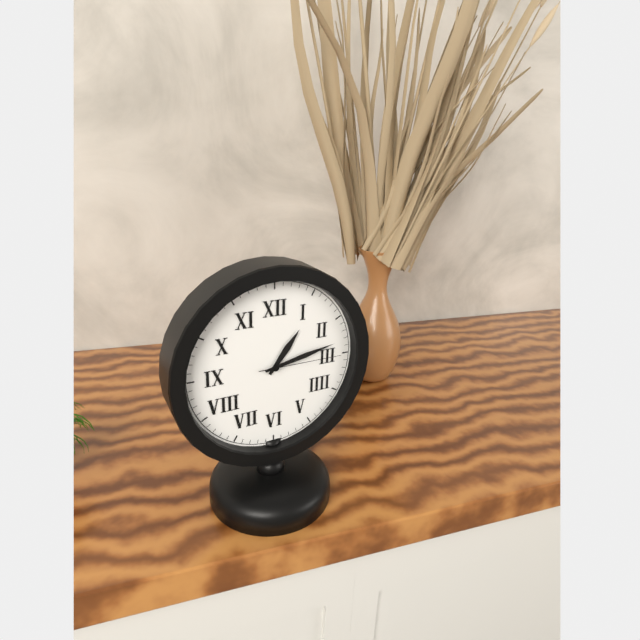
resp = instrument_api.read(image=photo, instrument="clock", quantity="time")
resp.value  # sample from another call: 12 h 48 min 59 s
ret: 1 h 13 min 15 s
